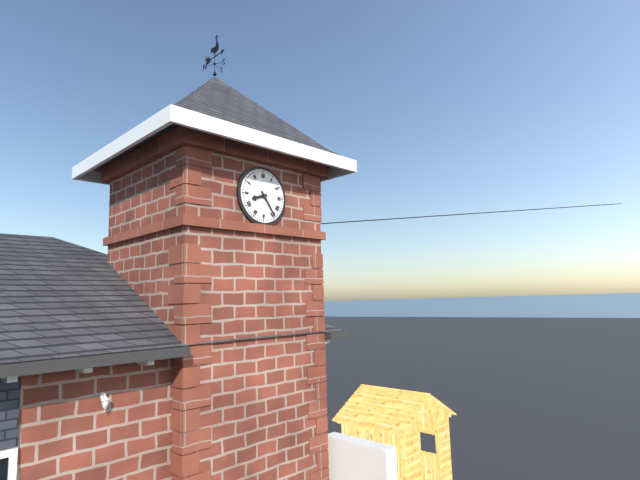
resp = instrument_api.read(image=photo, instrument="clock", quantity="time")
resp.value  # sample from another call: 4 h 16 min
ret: 8 h 24 min
